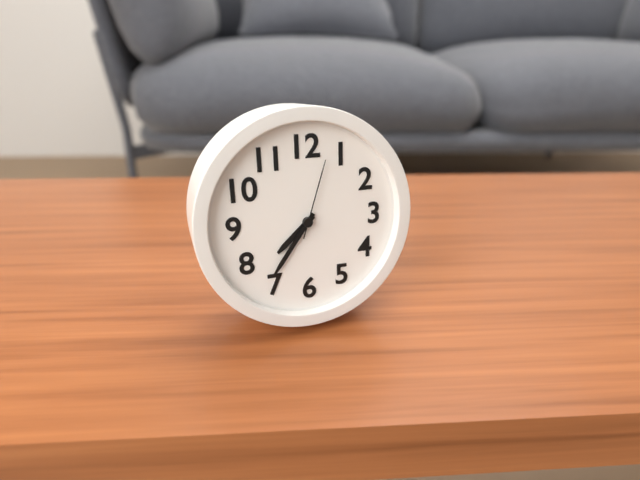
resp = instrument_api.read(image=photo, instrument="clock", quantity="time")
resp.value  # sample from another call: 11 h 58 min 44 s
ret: 7 h 36 min 03 s
